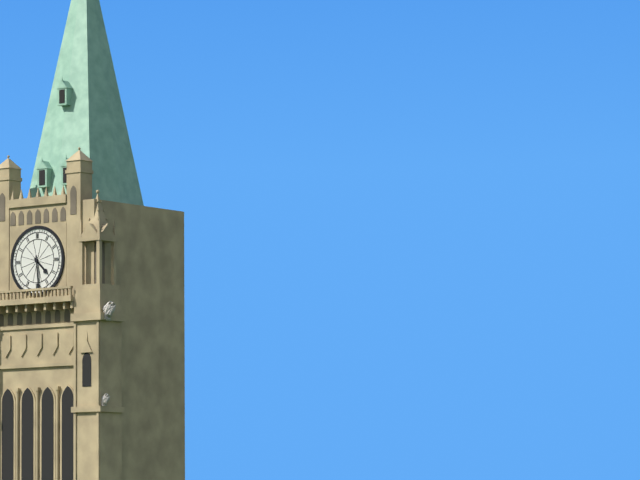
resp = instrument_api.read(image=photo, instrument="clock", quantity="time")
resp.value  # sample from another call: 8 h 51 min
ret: 4 h 29 min
